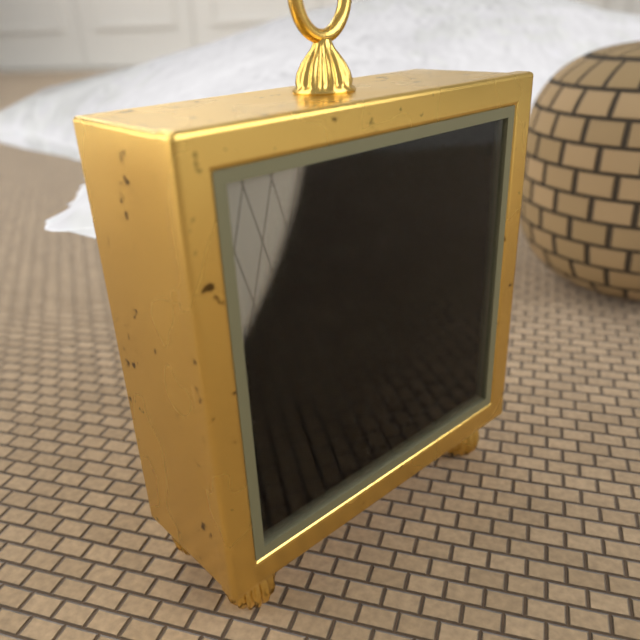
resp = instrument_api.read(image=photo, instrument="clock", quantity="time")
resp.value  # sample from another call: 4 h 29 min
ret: 1 h 43 min
